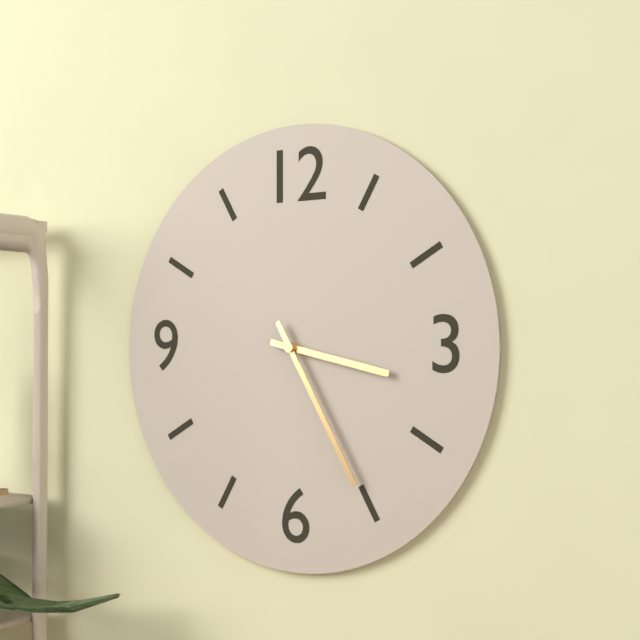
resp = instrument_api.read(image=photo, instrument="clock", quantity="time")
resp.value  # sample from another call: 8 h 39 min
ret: 3 h 25 min
